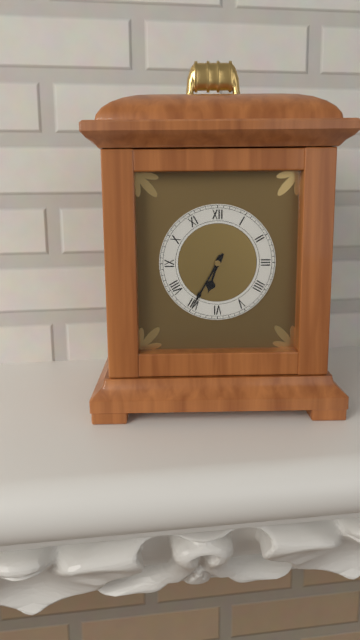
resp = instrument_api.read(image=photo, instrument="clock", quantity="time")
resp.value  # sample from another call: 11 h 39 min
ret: 6 h 35 min
